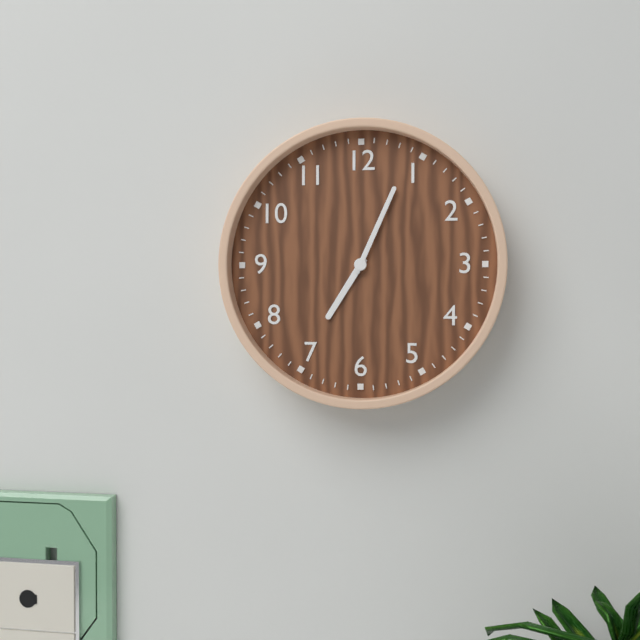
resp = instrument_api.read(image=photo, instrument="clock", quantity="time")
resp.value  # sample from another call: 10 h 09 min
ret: 7 h 04 min
